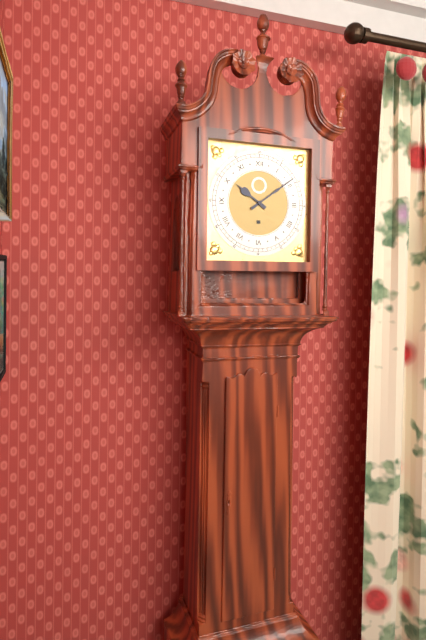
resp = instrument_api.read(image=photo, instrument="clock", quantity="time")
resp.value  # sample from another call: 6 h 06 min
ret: 10 h 09 min
